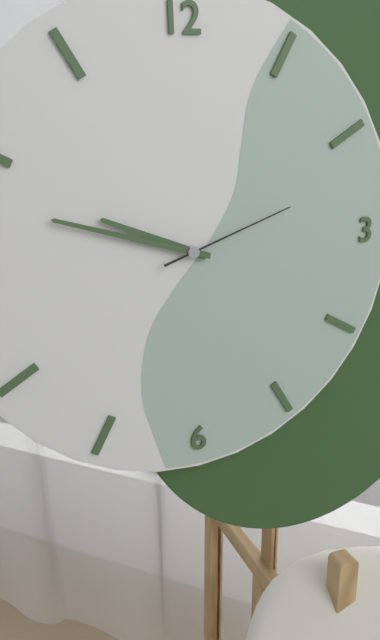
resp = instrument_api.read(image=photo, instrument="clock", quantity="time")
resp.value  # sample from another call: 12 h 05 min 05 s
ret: 9 h 48 min 12 s
